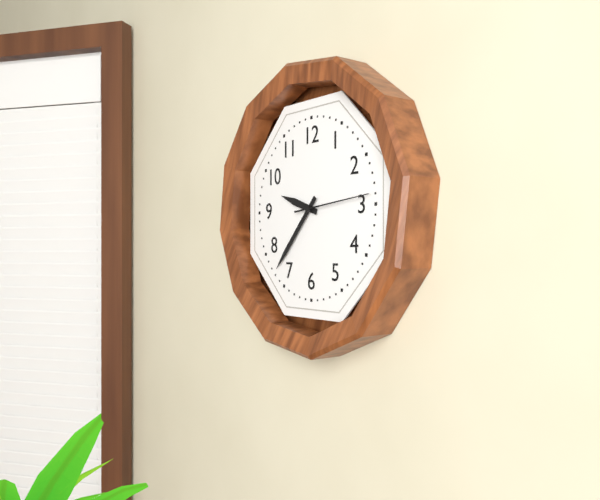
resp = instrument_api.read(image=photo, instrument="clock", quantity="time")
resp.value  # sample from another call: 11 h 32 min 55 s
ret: 9 h 37 min 14 s
